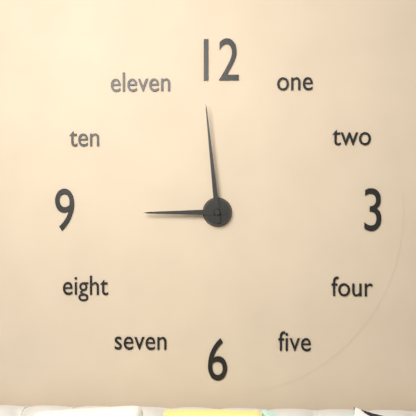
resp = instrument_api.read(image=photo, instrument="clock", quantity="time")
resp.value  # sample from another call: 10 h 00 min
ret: 8 h 59 min
